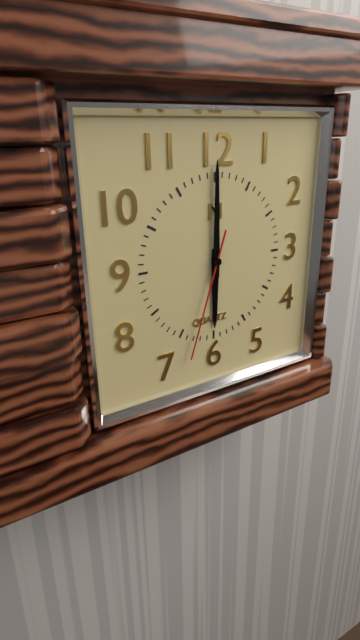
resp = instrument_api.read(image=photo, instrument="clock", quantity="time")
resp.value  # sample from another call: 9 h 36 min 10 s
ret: 6 h 00 min 33 s
